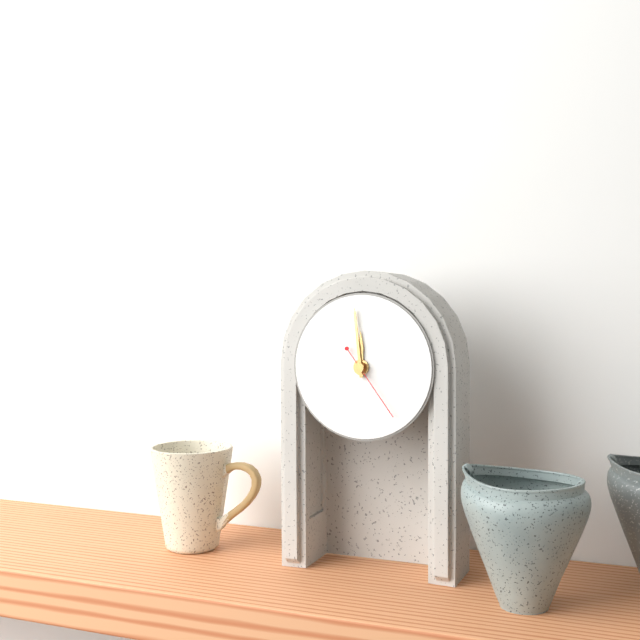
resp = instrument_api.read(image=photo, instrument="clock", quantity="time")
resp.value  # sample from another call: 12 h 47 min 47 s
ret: 11 h 59 min 24 s
